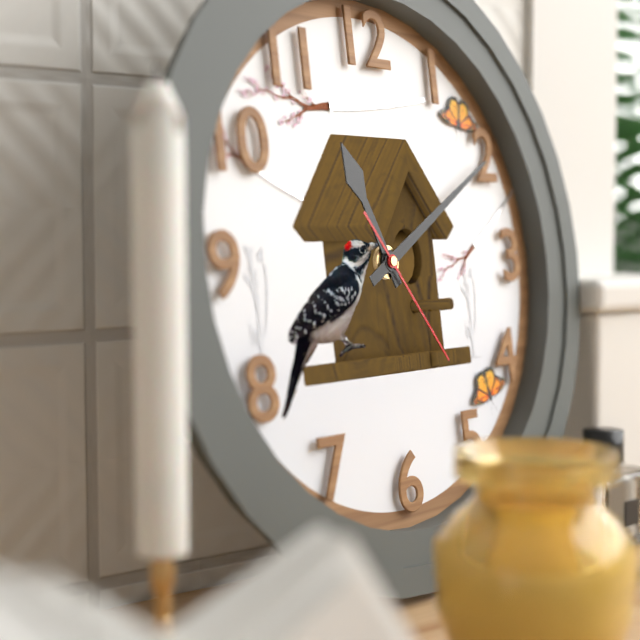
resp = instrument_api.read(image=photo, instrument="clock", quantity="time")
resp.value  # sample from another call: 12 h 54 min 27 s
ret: 11 h 10 min 24 s
